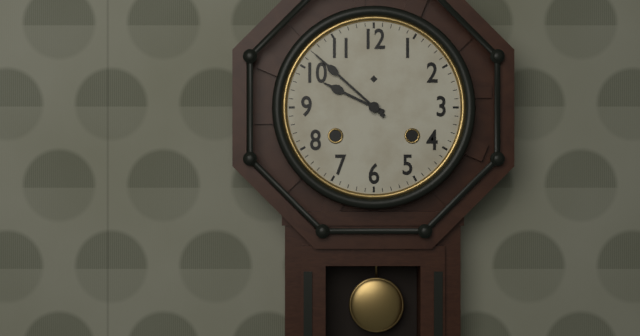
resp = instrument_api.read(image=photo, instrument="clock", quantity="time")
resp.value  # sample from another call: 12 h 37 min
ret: 9 h 52 min
